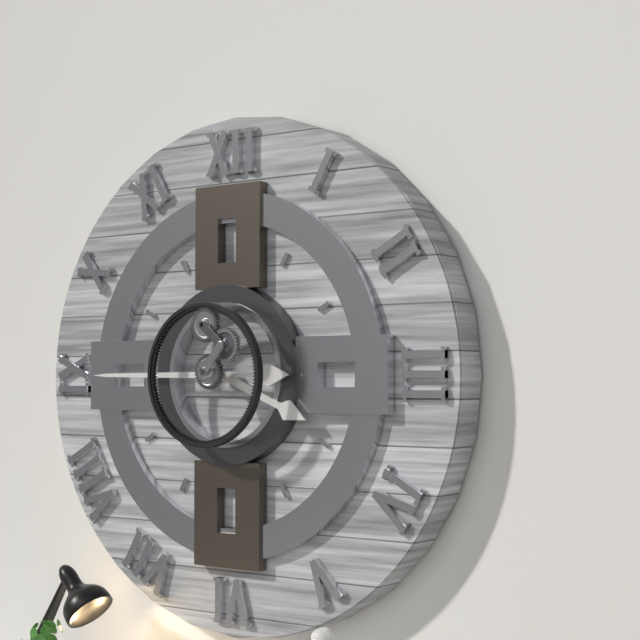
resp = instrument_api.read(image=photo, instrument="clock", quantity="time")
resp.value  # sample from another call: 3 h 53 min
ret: 3 h 45 min
